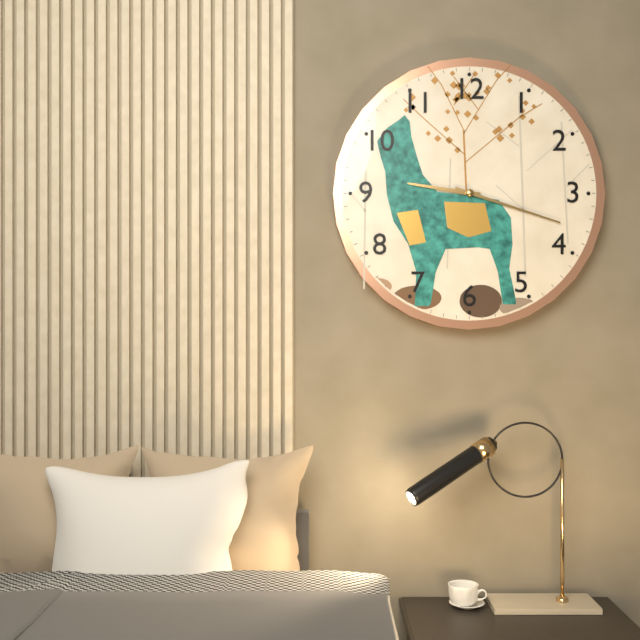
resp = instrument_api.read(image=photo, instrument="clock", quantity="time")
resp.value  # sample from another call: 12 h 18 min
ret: 9 h 18 min
